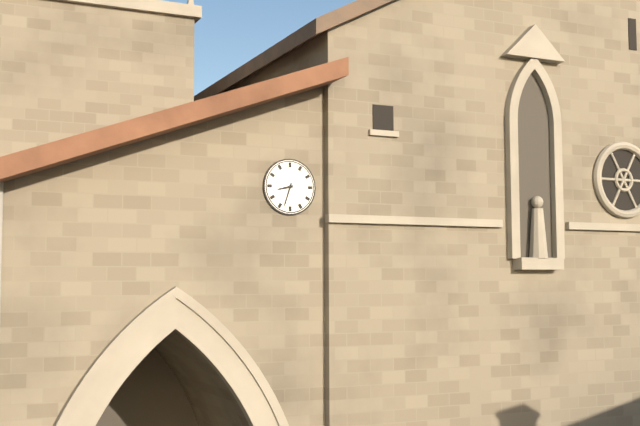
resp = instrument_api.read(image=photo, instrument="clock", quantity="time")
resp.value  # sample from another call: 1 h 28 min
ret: 8 h 33 min
